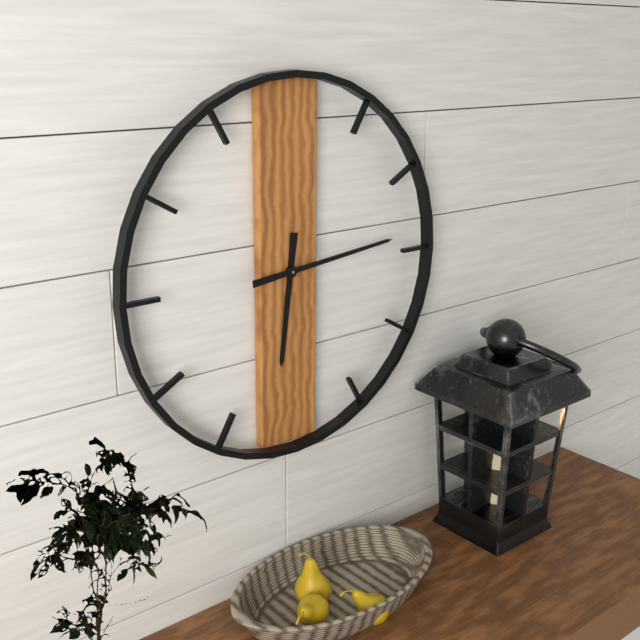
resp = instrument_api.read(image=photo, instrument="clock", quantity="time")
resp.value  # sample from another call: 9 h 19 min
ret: 6 h 14 min
